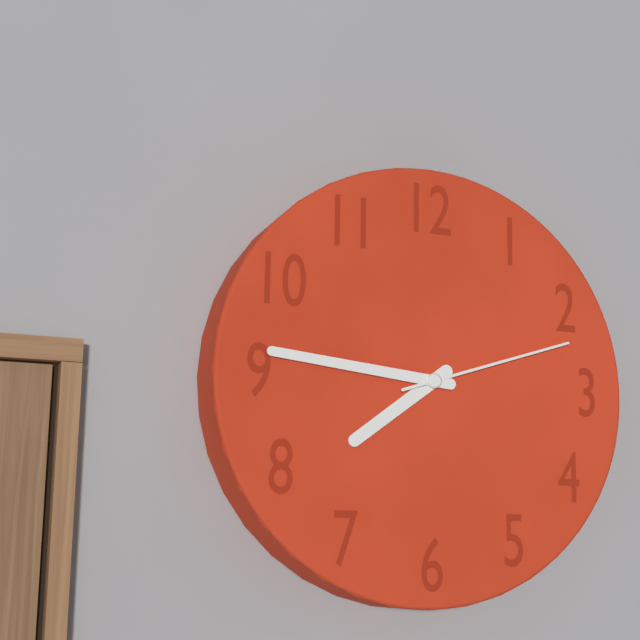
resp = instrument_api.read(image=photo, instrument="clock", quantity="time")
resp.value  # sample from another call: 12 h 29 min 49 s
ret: 7 h 46 min 12 s
